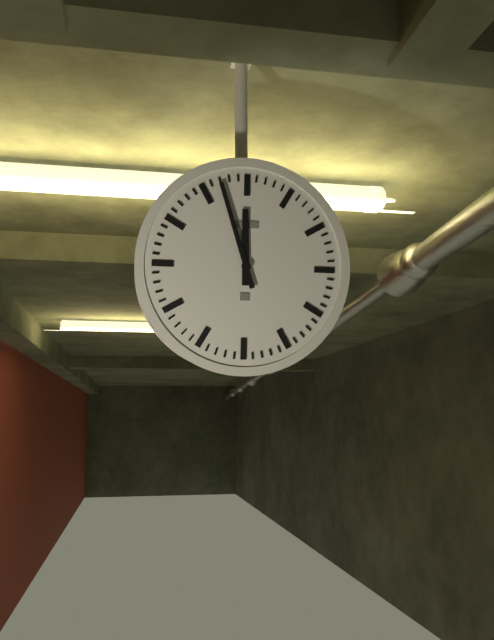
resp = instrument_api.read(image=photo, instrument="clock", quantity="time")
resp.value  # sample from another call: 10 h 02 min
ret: 11 h 57 min
